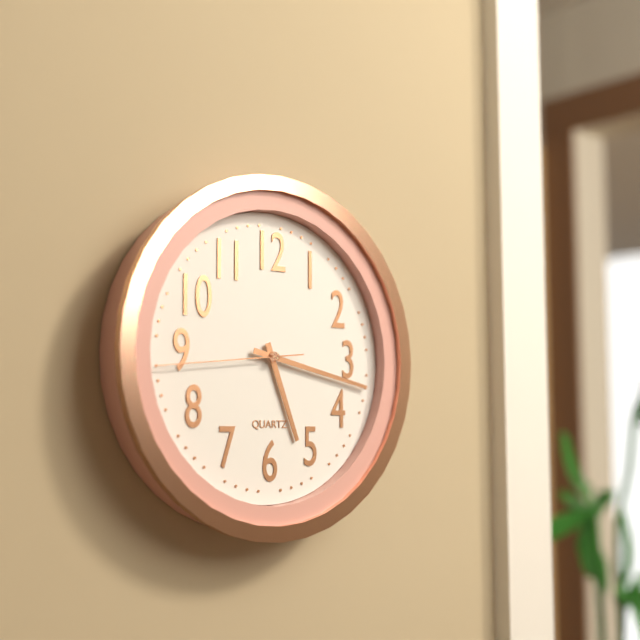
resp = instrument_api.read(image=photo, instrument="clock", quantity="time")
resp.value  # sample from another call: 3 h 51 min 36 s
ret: 5 h 17 min 44 s
